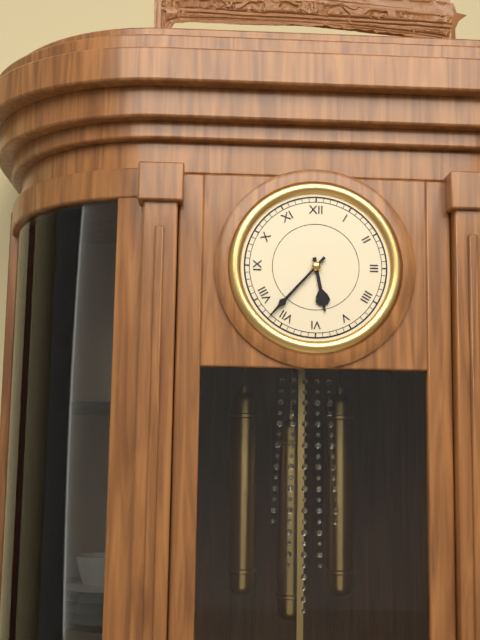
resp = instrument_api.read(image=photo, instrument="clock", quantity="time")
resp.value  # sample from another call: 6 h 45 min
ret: 5 h 37 min
